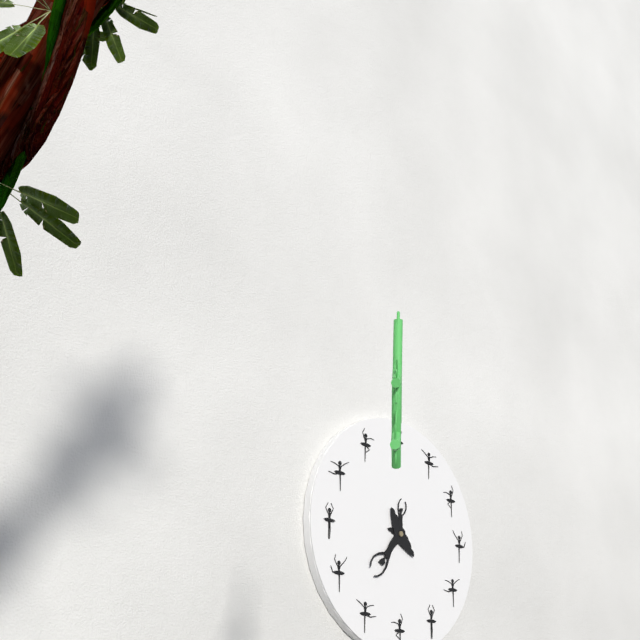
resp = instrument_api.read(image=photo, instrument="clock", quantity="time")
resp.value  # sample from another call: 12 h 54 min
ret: 12 h 39 min
